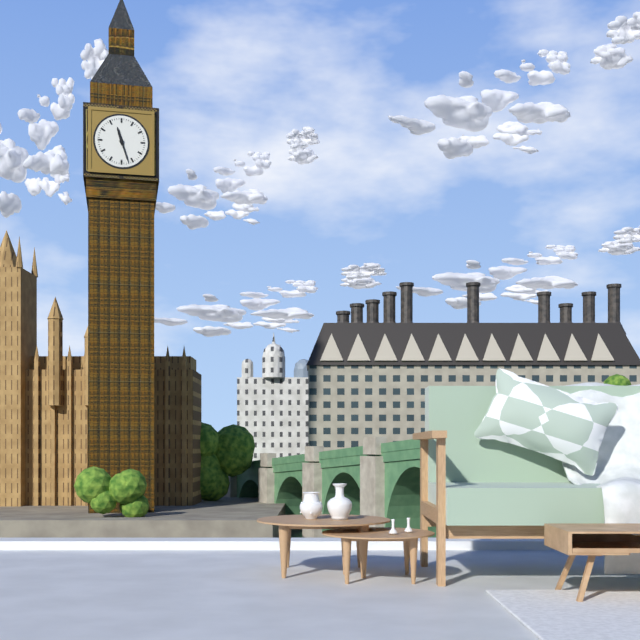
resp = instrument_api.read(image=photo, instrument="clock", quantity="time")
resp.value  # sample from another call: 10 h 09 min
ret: 11 h 27 min
